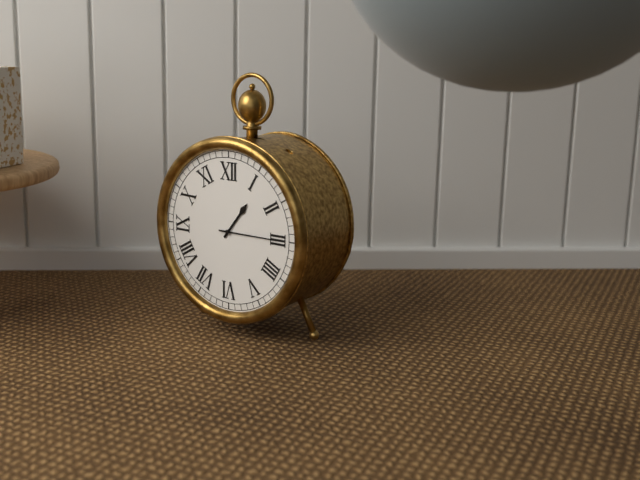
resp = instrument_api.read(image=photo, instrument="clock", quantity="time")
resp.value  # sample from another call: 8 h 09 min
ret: 1 h 15 min
